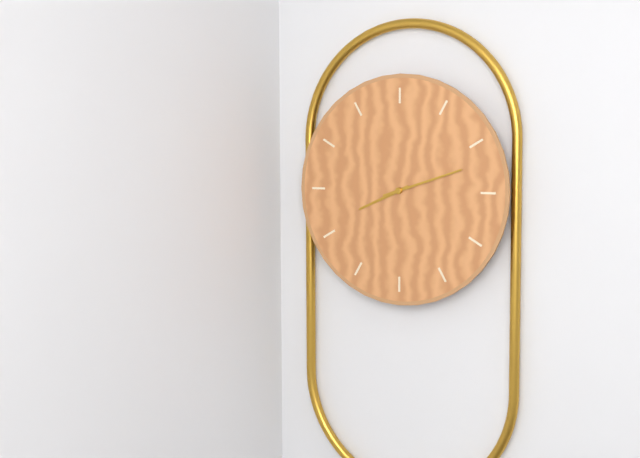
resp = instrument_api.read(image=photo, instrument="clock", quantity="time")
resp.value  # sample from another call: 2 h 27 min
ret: 8 h 12 min
